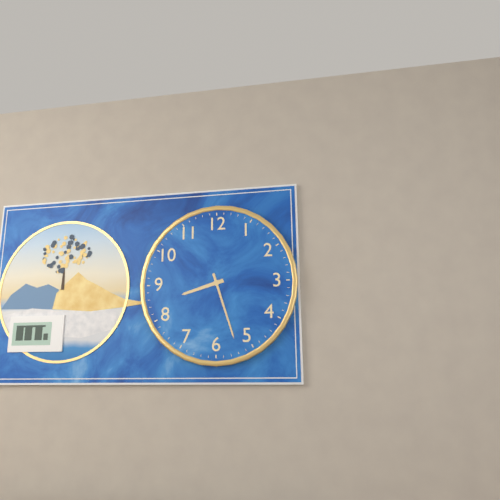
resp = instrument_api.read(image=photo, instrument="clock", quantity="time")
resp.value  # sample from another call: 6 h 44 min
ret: 8 h 27 min
